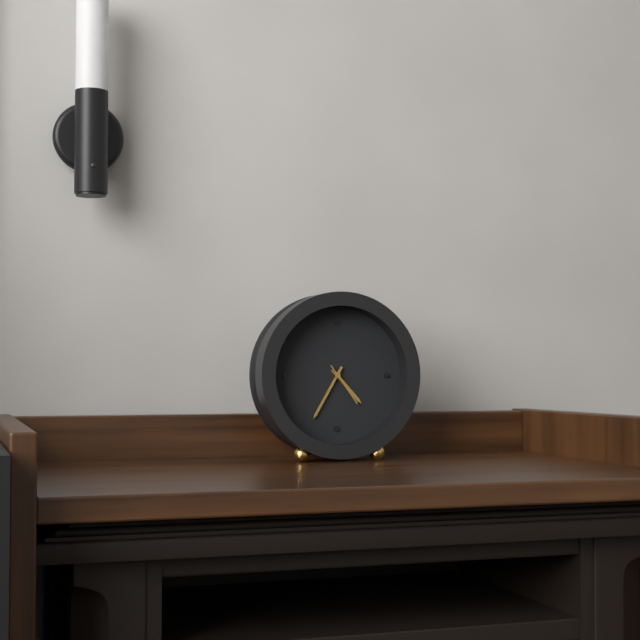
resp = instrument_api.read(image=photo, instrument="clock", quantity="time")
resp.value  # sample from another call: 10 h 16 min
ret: 4 h 35 min
